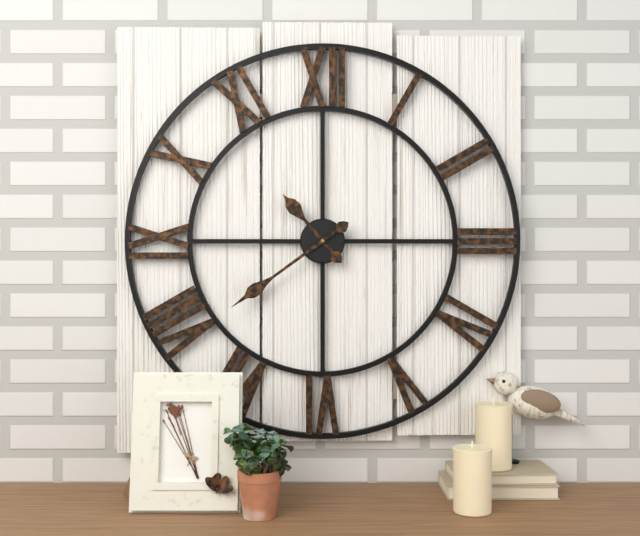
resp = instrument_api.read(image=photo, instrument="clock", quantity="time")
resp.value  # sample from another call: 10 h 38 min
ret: 10 h 39 min
